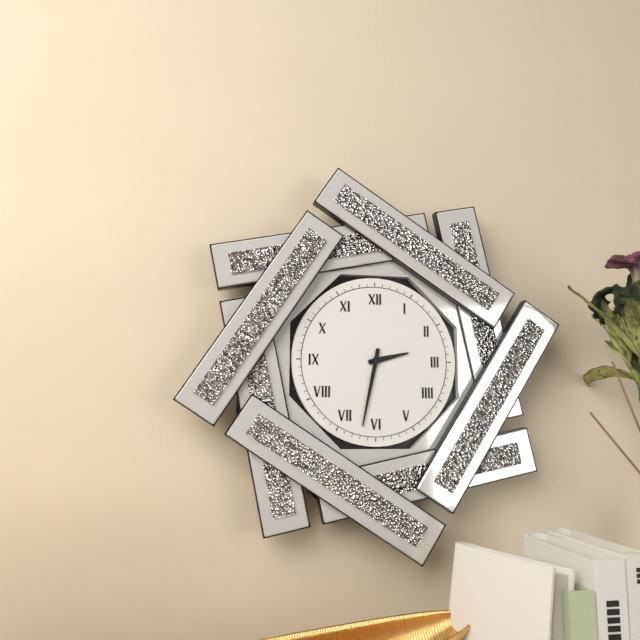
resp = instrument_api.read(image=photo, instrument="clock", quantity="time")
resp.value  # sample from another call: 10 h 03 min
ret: 2 h 32 min
